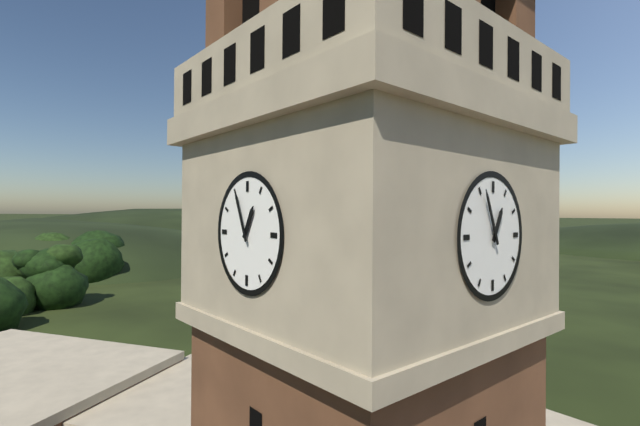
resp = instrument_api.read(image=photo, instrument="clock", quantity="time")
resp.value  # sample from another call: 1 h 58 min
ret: 12 h 56 min
